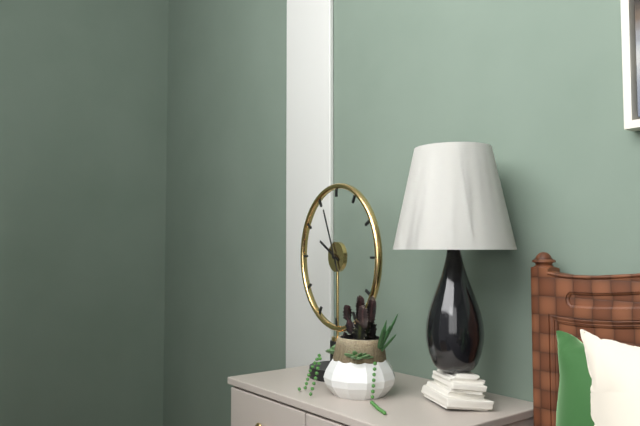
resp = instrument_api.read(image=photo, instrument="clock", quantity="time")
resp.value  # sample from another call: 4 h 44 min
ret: 9 h 56 min
